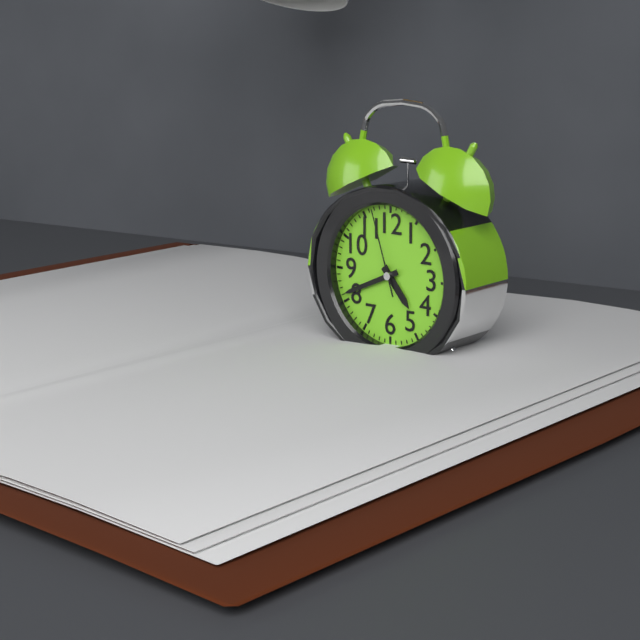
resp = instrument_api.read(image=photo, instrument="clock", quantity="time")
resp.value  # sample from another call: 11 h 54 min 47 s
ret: 4 h 41 min 57 s
